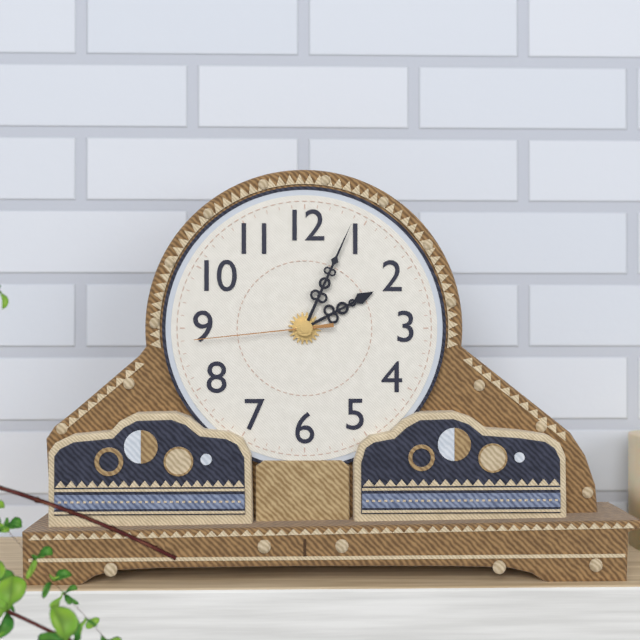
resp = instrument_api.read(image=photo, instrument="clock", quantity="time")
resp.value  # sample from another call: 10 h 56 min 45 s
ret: 2 h 04 min 44 s
